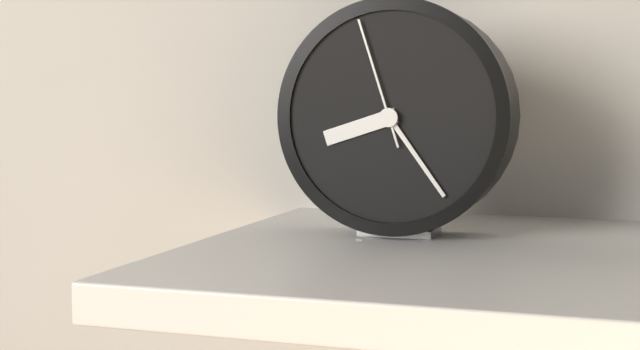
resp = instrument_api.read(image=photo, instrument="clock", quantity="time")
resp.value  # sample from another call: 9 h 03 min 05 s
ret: 8 h 24 min 57 s
